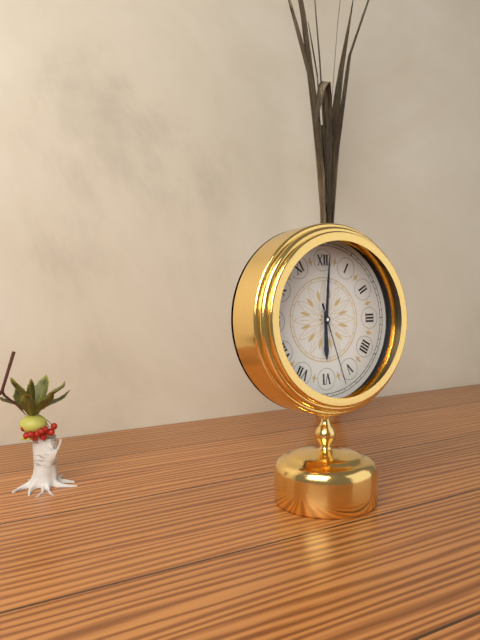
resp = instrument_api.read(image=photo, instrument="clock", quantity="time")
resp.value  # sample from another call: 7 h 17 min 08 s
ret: 6 h 01 min 27 s
